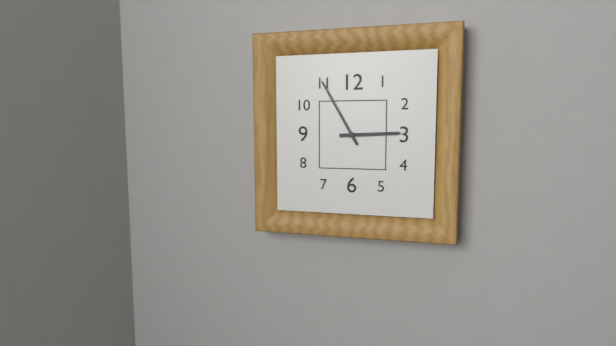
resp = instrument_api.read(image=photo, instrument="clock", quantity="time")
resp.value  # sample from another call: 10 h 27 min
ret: 2 h 55 min
